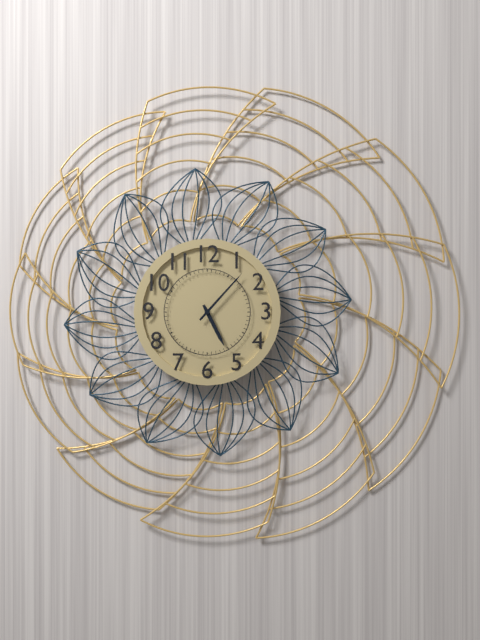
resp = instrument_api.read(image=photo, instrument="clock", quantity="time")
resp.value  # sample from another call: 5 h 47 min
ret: 5 h 07 min
